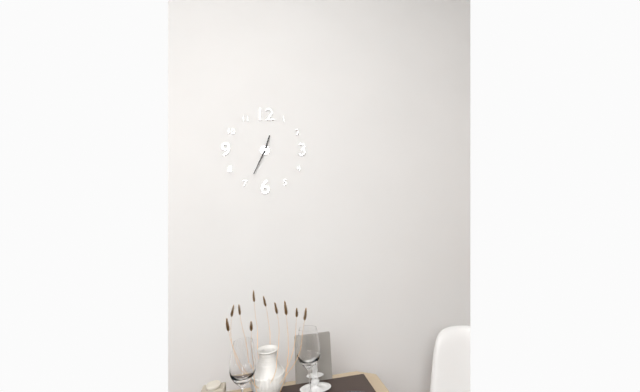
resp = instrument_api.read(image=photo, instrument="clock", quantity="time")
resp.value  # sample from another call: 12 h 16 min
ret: 12 h 34 min
